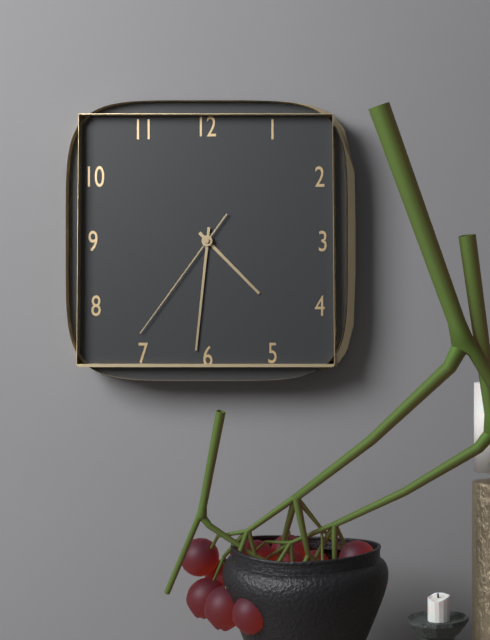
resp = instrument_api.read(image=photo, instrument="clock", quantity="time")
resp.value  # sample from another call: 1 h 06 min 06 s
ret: 4 h 31 min 36 s
